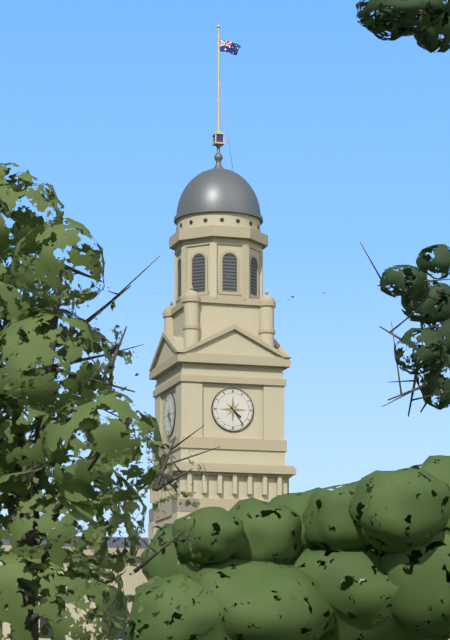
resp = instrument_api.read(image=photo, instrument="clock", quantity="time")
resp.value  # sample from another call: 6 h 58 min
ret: 4 h 24 min
